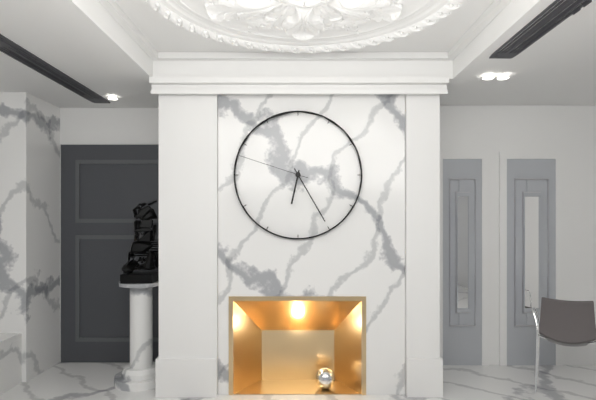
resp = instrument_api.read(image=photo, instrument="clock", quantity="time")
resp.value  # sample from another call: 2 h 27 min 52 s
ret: 6 h 25 min 48 s
